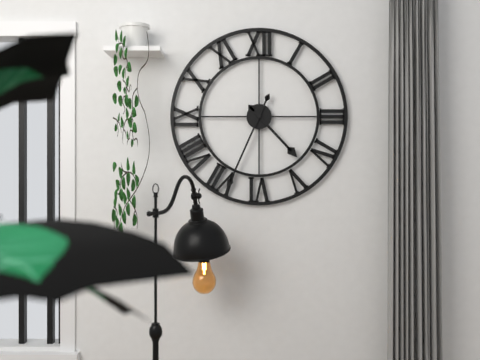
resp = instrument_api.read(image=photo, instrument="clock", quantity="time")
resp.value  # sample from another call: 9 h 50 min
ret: 4 h 34 min
